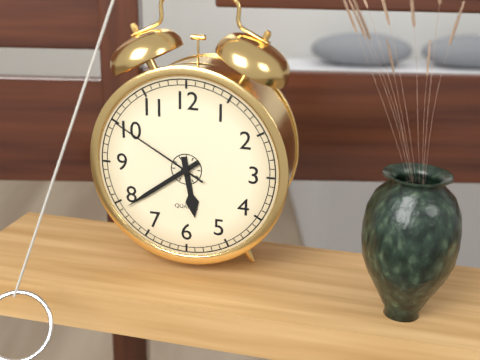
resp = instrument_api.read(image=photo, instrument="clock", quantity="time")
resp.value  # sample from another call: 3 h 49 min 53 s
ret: 5 h 39 min 50 s
